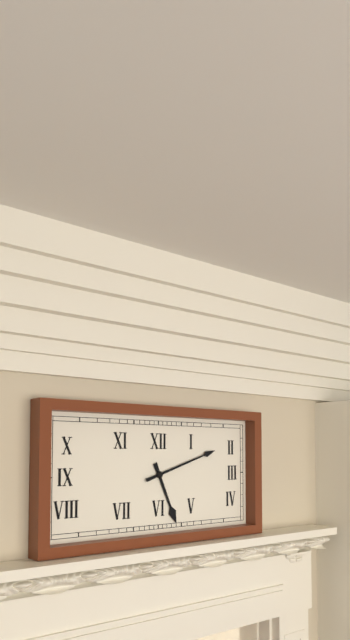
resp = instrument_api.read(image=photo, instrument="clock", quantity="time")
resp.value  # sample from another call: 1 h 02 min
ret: 5 h 12 min
